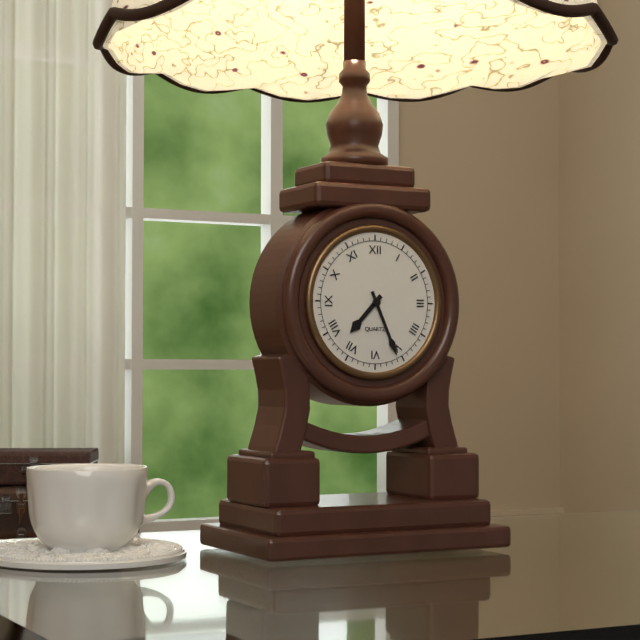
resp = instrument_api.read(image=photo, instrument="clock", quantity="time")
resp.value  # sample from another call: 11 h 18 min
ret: 7 h 26 min
